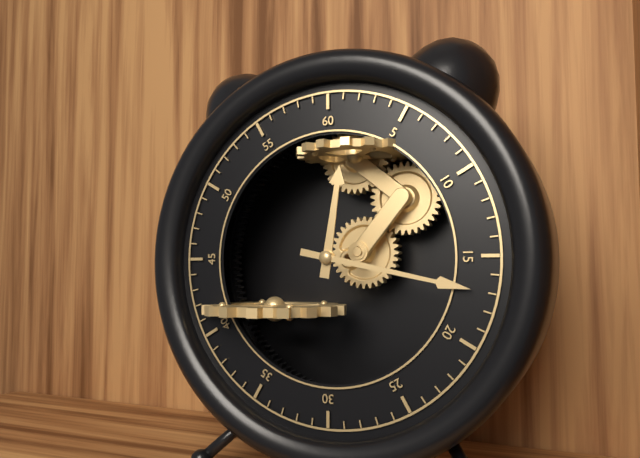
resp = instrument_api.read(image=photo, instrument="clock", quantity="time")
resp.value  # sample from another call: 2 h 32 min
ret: 12 h 17 min
